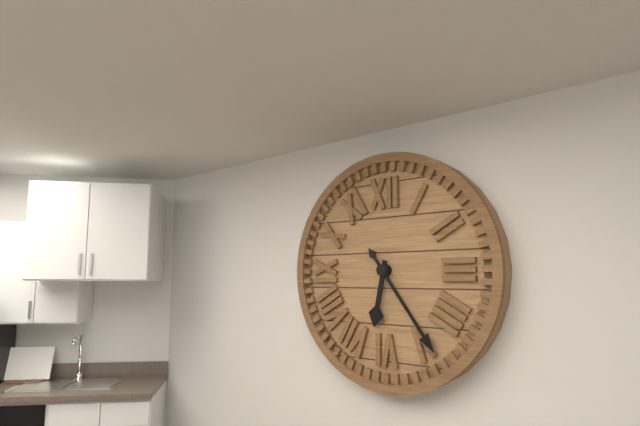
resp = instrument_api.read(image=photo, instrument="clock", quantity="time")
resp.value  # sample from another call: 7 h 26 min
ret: 6 h 24 min
